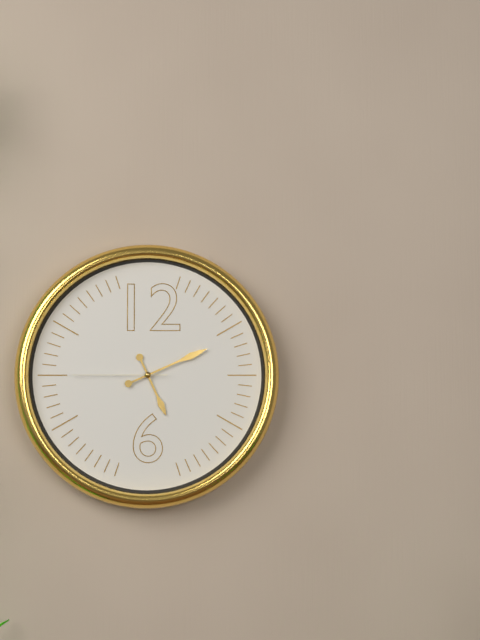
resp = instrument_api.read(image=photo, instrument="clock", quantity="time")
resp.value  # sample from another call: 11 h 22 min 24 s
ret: 5 h 11 min 45 s
